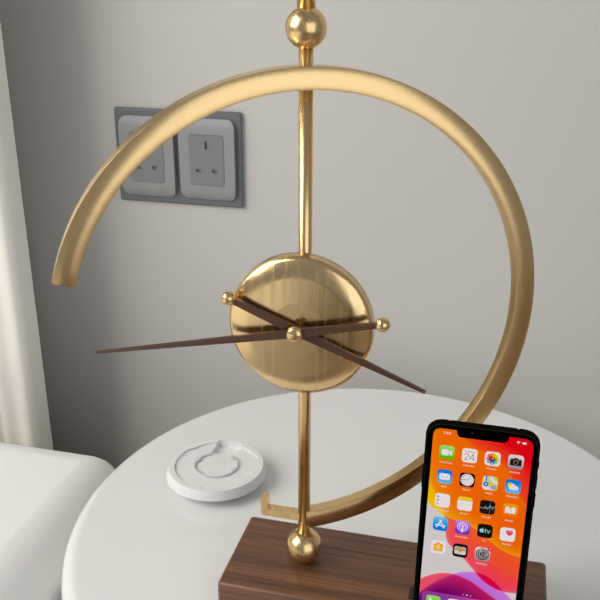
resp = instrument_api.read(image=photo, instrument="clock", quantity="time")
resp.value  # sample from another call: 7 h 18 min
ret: 3 h 43 min
